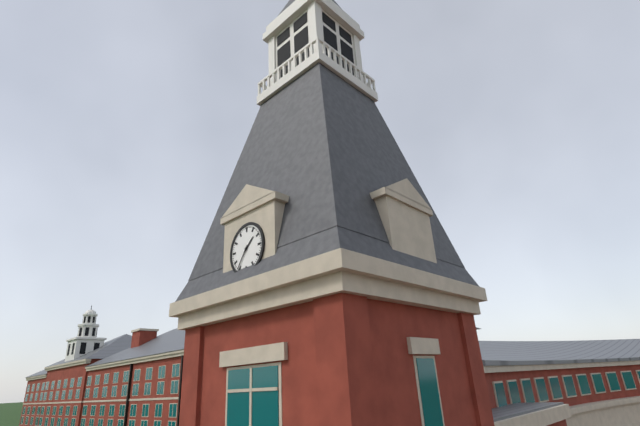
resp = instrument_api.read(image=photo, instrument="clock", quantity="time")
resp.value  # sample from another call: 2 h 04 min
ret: 1 h 36 min
